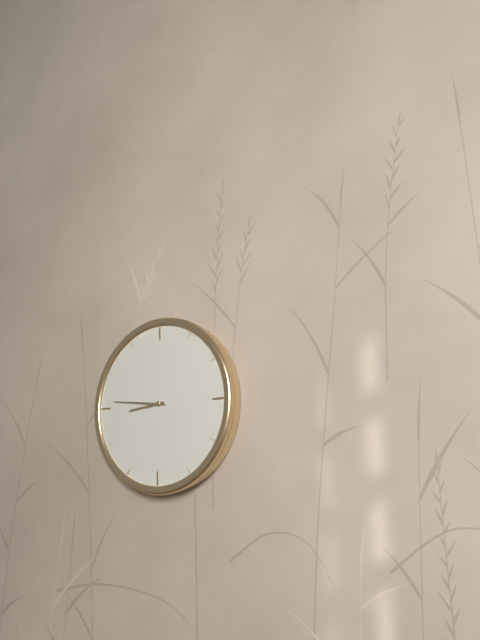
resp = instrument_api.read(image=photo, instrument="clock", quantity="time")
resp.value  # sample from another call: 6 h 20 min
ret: 8 h 46 min
